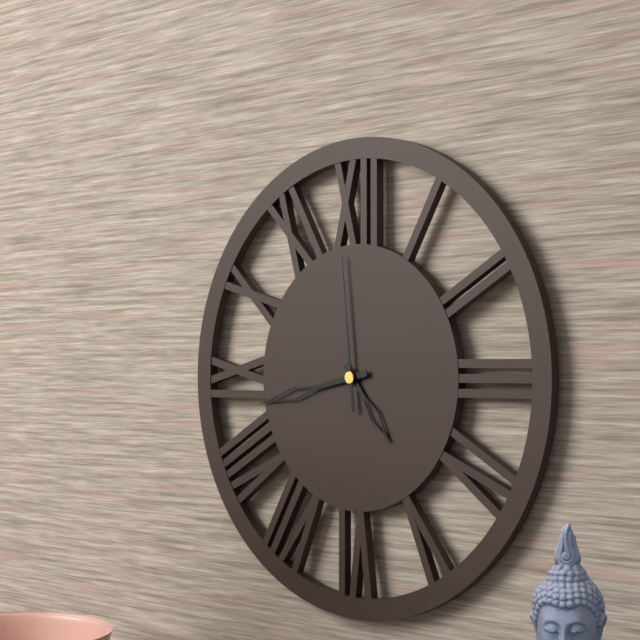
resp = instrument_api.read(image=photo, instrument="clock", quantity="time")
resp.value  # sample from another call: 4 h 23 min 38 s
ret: 4 h 43 min 59 s
